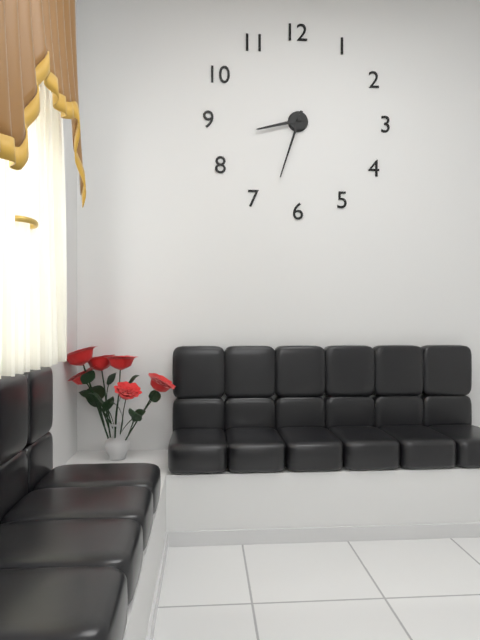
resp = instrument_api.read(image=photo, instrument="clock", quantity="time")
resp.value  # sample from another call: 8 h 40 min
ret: 8 h 33 min
